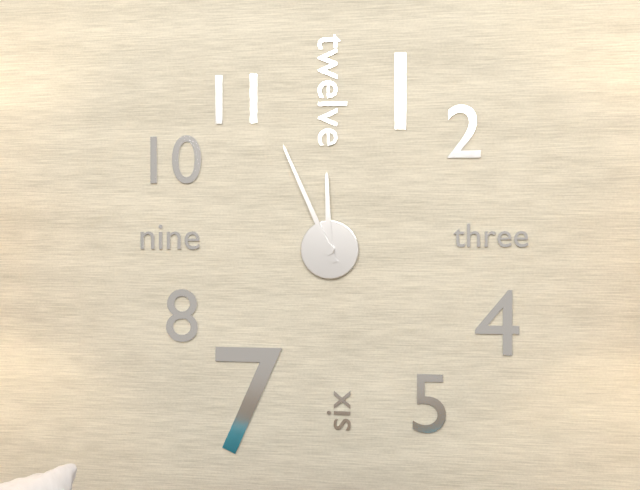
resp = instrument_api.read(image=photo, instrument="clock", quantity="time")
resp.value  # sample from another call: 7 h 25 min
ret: 11 h 56 min
